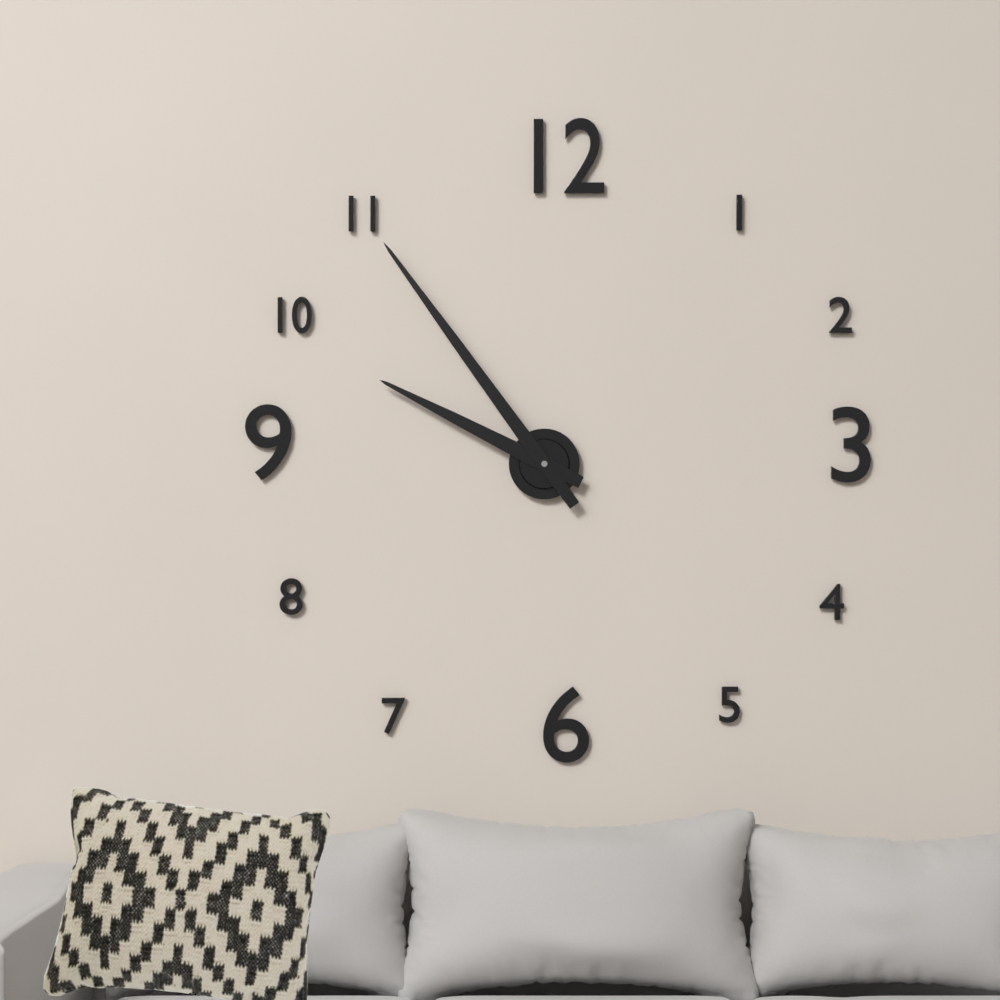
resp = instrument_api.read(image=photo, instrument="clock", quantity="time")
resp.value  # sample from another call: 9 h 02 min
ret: 9 h 54 min
